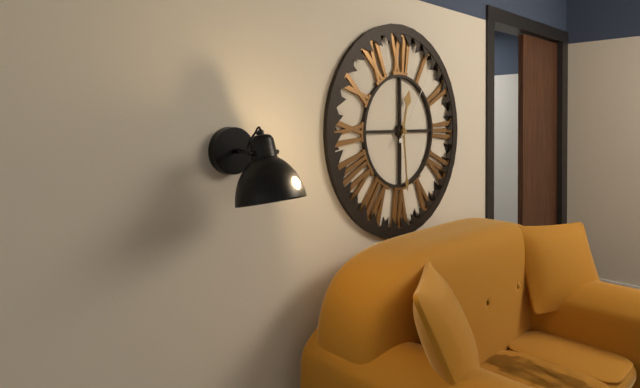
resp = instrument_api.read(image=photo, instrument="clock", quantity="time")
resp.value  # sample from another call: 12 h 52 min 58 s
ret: 12 h 29 min 06 s
